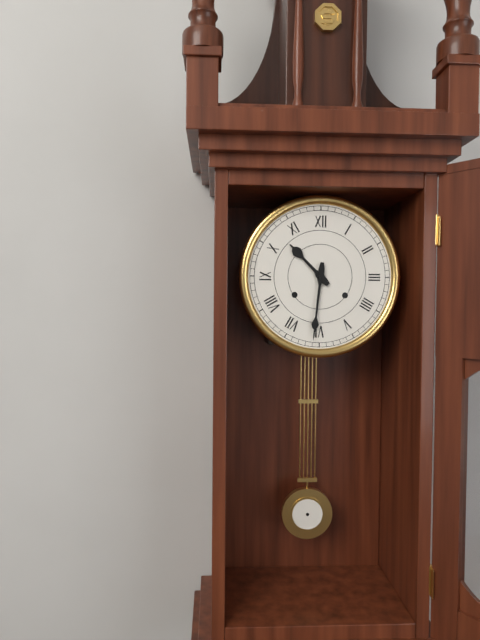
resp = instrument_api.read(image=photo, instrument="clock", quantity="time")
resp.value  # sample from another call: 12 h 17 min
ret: 10 h 31 min
